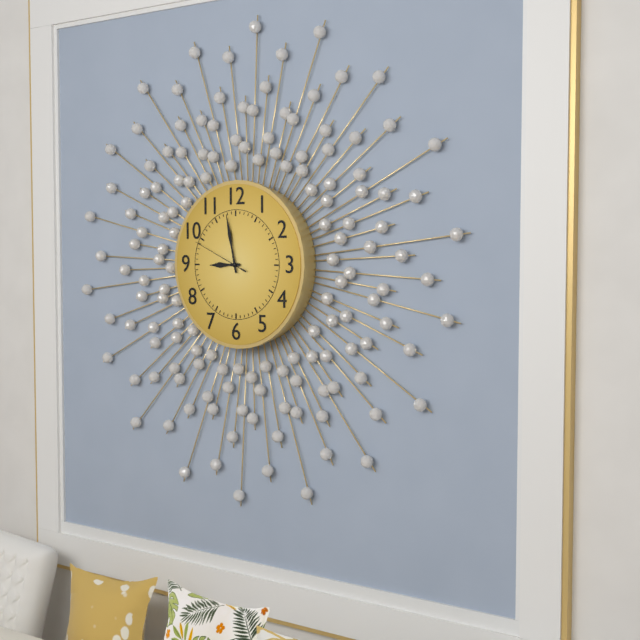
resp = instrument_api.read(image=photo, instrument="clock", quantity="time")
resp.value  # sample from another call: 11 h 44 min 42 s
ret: 8 h 58 min 49 s
